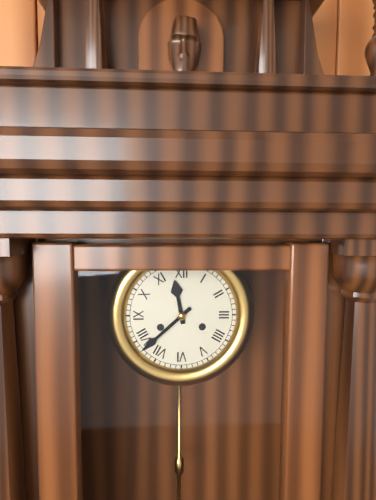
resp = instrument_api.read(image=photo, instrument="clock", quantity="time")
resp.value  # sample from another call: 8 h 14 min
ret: 11 h 38 min
